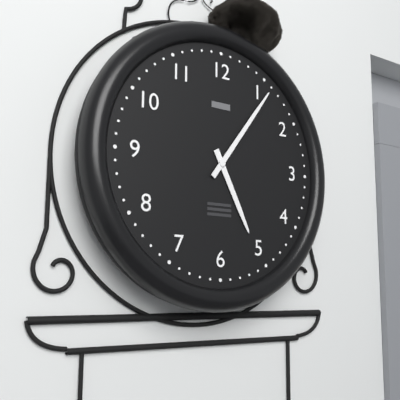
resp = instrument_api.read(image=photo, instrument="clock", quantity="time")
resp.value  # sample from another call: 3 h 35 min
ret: 5 h 06 min
